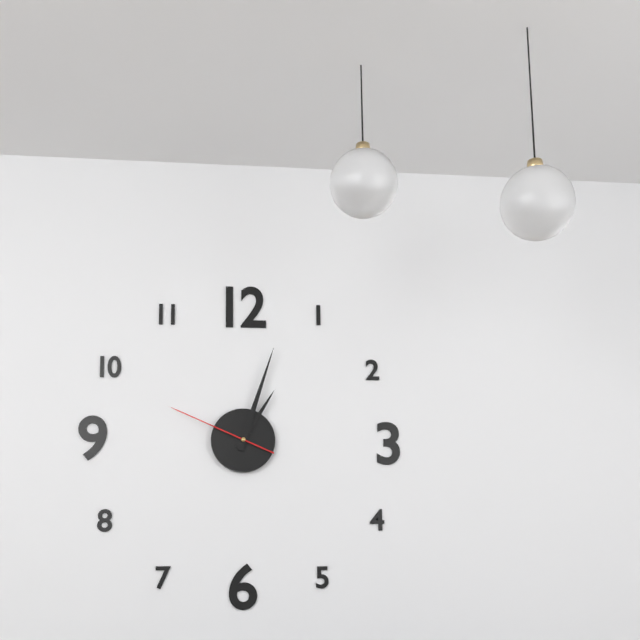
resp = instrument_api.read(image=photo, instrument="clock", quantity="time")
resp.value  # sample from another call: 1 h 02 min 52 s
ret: 1 h 03 min 49 s
